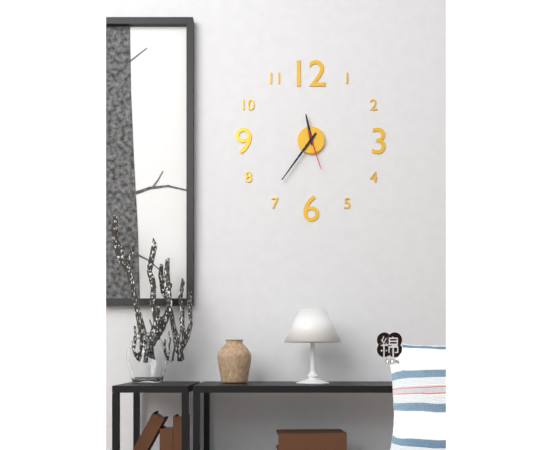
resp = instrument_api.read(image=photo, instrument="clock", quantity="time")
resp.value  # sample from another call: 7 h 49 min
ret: 11 h 36 min
